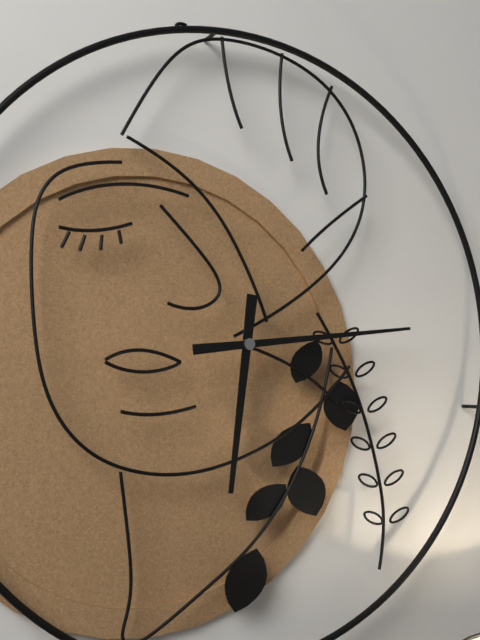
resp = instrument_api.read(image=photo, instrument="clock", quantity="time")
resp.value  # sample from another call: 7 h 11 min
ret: 6 h 14 min
